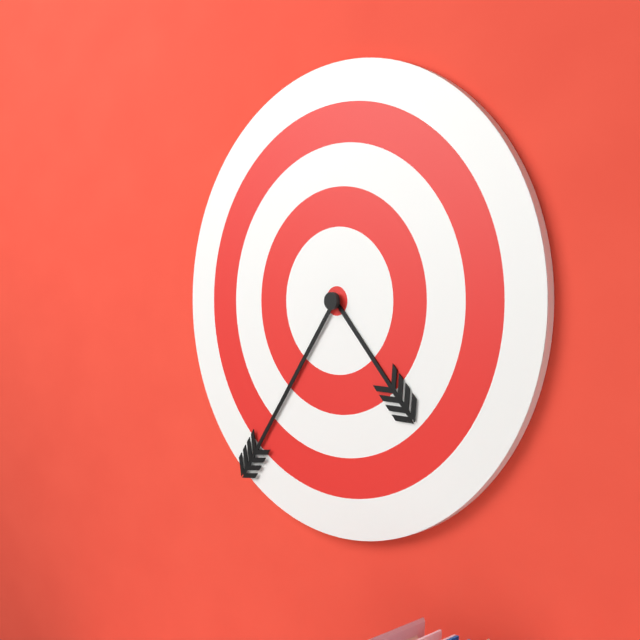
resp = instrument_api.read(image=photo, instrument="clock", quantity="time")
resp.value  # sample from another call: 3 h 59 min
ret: 4 h 36 min
